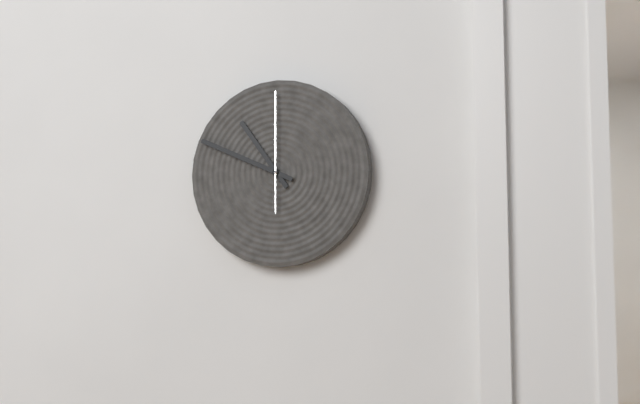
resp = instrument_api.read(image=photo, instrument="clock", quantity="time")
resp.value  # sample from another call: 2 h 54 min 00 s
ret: 10 h 49 min 00 s
